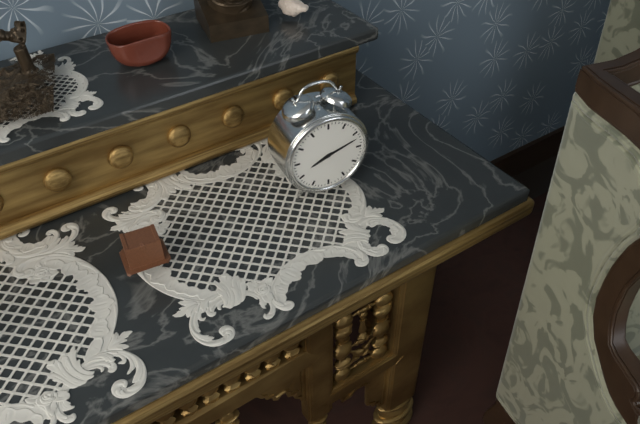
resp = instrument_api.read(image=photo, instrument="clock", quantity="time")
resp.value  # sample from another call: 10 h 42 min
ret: 8 h 12 min
